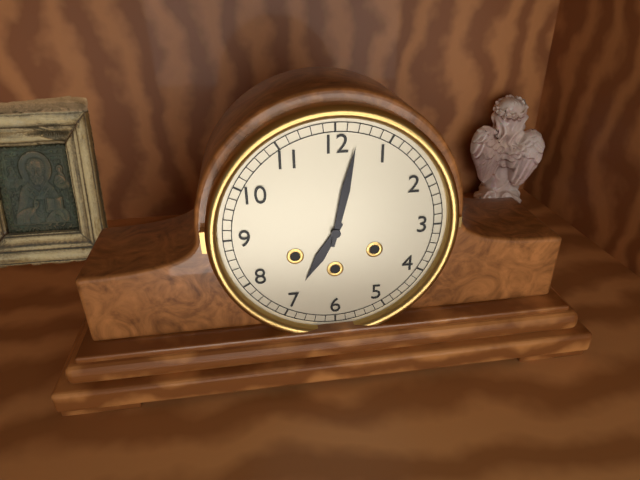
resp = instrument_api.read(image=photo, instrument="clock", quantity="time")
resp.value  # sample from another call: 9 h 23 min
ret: 7 h 02 min
